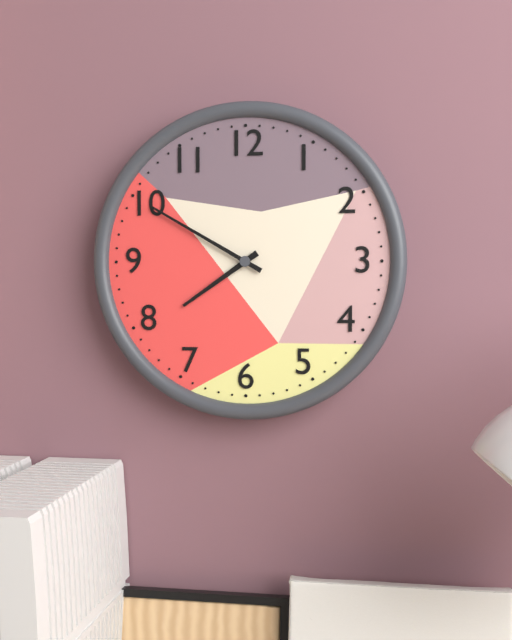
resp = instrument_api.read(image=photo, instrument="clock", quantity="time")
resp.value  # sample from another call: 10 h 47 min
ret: 7 h 50 min
